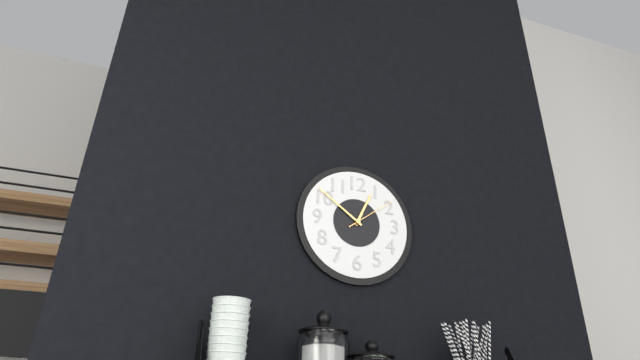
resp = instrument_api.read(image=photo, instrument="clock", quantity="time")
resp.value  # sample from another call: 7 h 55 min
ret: 12 h 51 min
